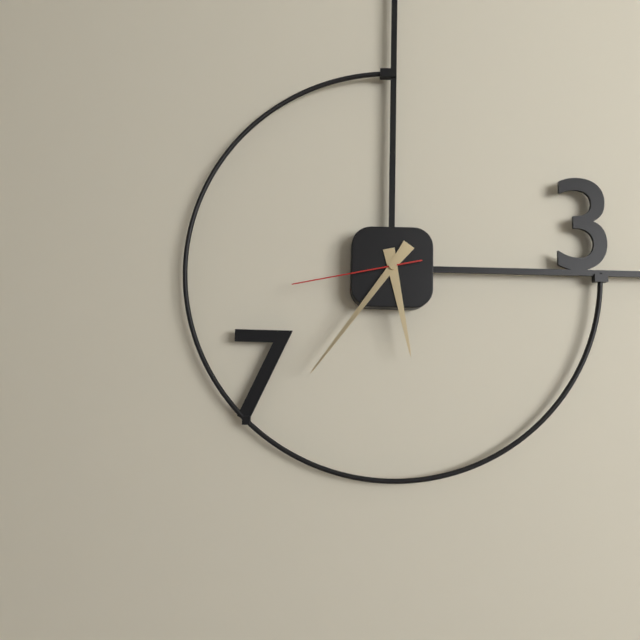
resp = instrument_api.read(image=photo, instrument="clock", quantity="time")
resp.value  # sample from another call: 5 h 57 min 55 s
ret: 5 h 36 min 43 s
